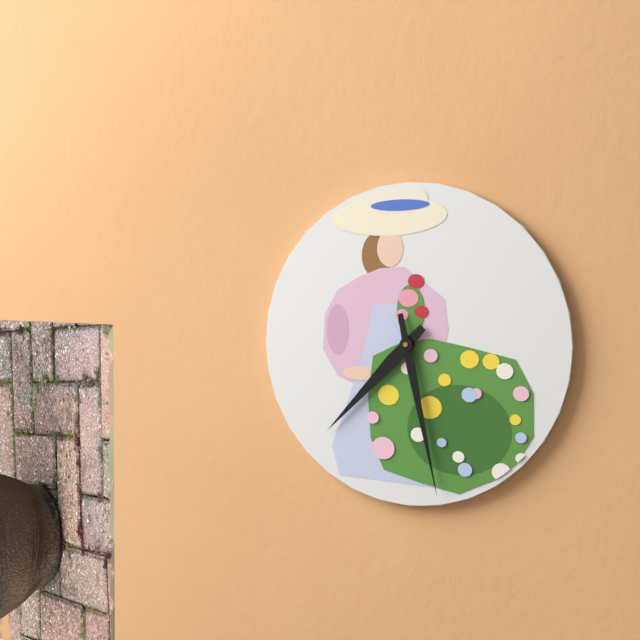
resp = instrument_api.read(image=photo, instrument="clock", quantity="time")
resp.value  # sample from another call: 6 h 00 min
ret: 7 h 28 min
